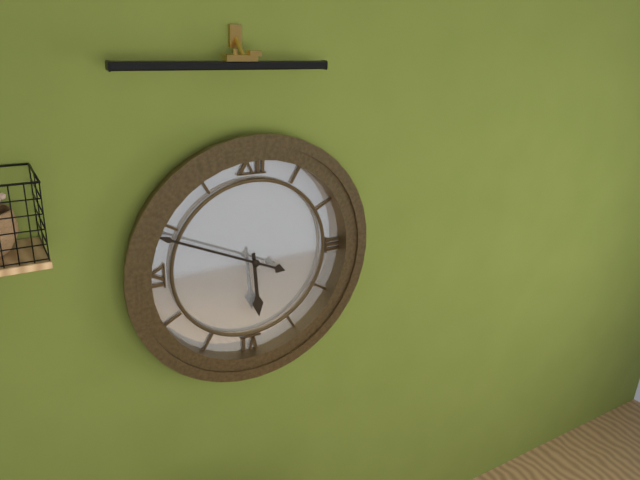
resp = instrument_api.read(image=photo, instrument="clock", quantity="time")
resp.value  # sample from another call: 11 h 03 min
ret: 5 h 49 min
